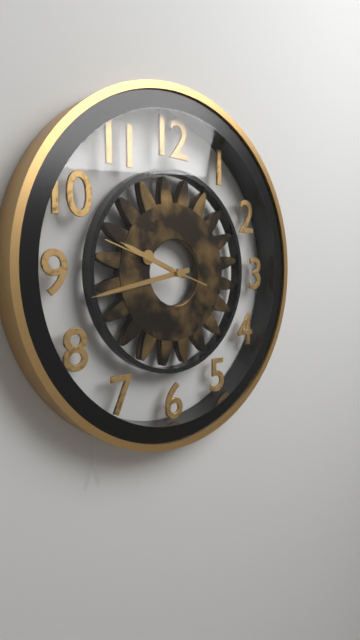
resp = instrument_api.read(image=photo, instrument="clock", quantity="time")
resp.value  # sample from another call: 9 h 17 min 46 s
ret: 9 h 43 min 48 s
